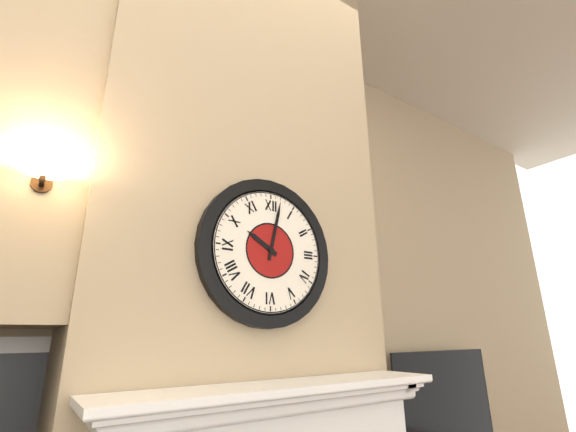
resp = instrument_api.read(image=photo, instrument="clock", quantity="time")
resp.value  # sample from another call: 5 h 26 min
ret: 10 h 02 min
